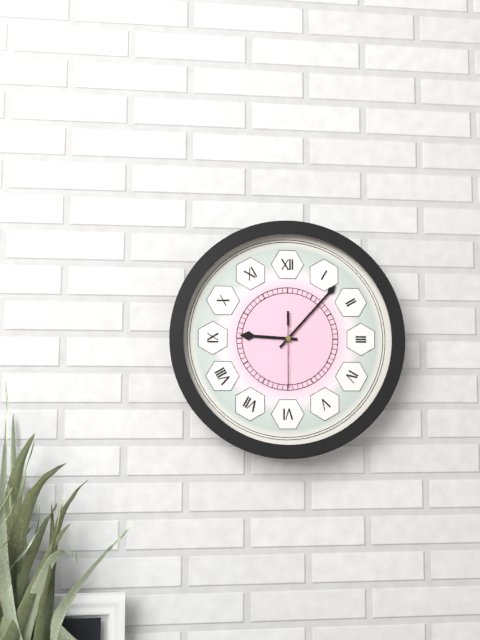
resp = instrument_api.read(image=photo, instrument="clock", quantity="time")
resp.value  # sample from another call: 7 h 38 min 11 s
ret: 9 h 07 min 30 s
